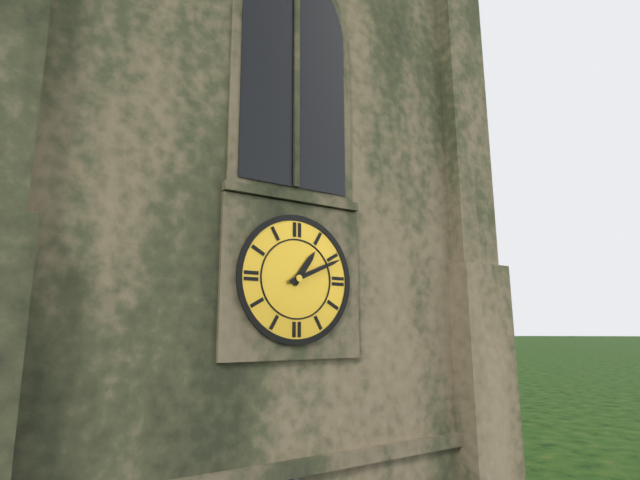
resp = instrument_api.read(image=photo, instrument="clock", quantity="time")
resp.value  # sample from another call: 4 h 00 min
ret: 1 h 11 min
